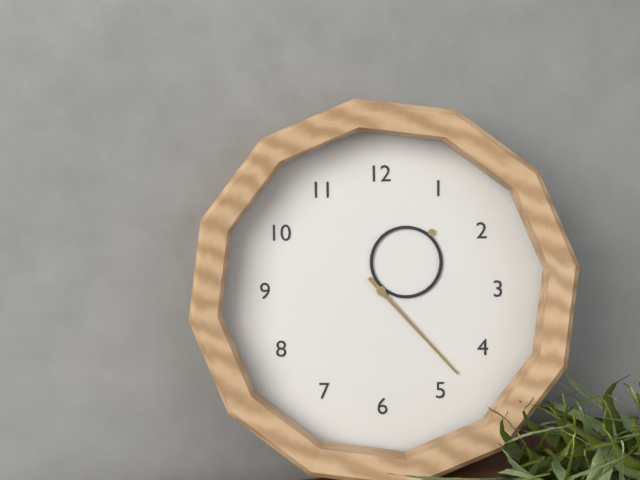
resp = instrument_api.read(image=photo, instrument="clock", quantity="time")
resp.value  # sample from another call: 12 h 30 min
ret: 1 h 23 min
